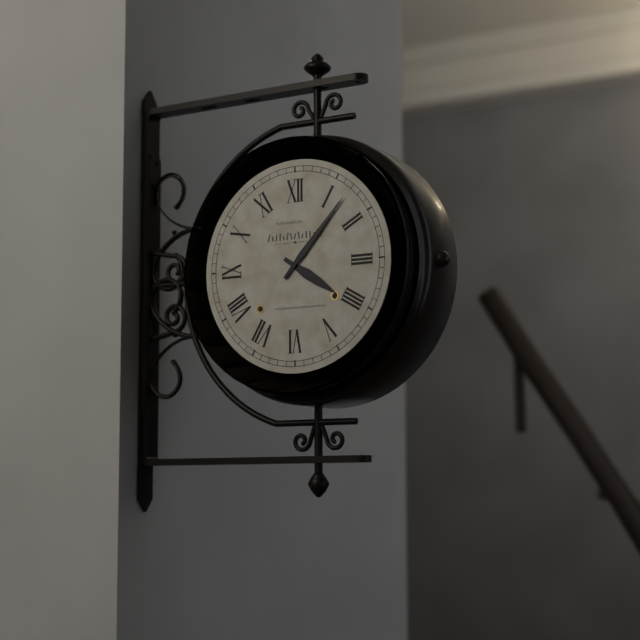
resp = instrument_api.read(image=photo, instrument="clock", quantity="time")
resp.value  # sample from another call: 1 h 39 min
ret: 4 h 07 min
